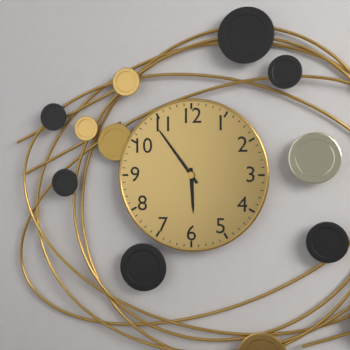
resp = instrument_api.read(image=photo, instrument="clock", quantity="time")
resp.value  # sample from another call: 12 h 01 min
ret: 5 h 54 min
